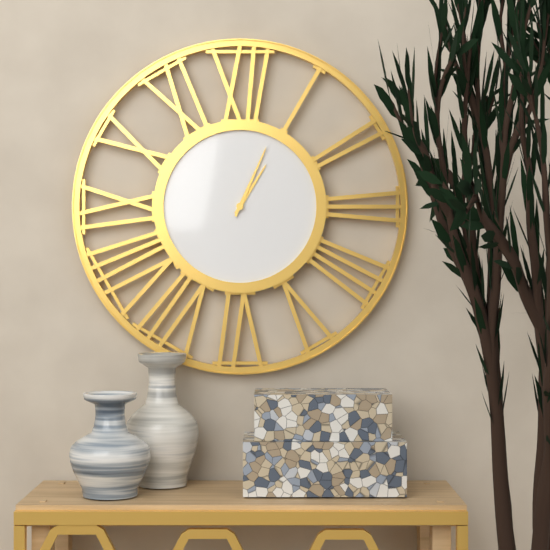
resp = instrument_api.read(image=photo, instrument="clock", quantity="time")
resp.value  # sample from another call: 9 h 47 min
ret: 1 h 04 min
